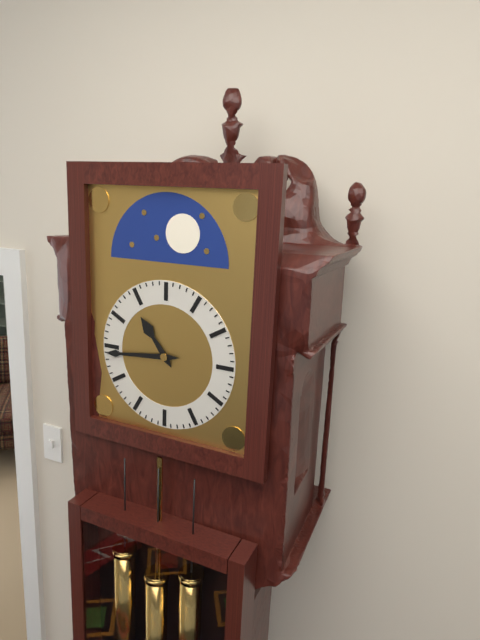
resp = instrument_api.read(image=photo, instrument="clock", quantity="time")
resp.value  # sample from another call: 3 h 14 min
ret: 10 h 44 min
